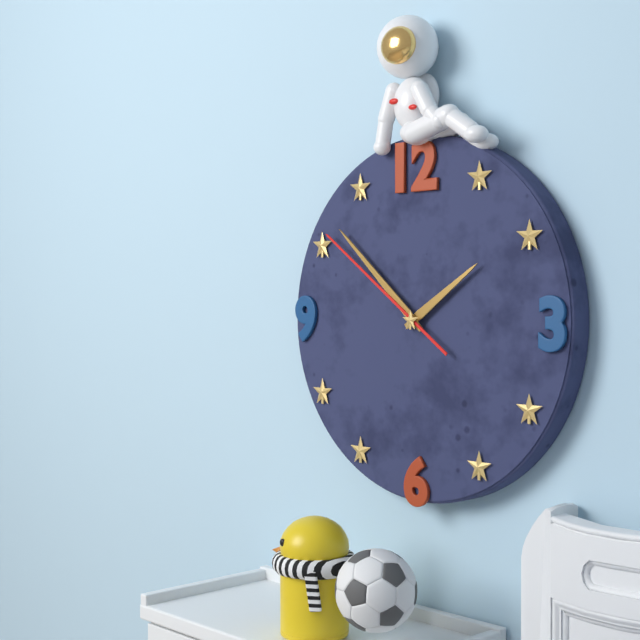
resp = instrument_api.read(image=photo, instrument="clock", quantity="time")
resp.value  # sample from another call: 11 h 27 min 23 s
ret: 1 h 52 min 51 s
